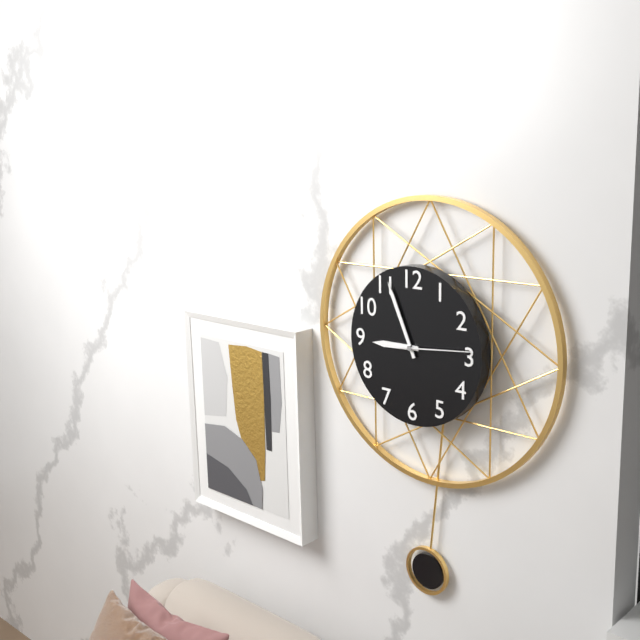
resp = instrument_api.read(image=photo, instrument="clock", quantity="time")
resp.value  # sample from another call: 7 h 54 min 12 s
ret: 8 h 56 min 14 s
